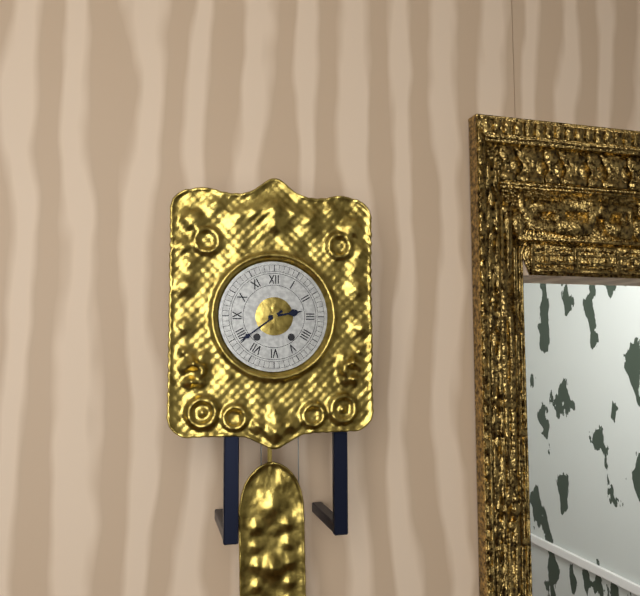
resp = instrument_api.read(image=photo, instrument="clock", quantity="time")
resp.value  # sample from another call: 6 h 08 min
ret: 2 h 39 min
